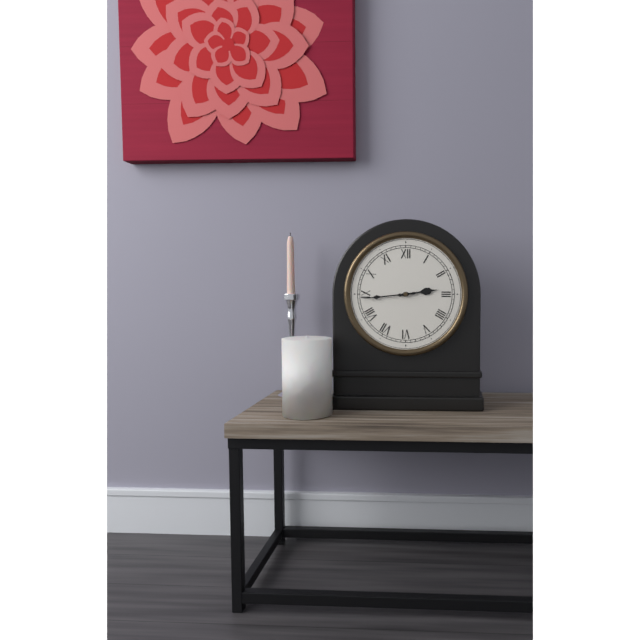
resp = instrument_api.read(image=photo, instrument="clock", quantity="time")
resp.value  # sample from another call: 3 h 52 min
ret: 2 h 44 min
